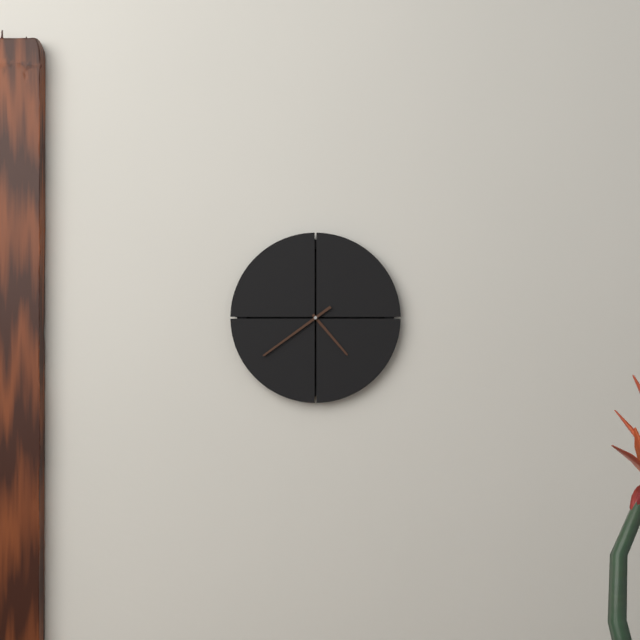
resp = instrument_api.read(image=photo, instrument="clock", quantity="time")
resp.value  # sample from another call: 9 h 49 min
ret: 4 h 39 min
